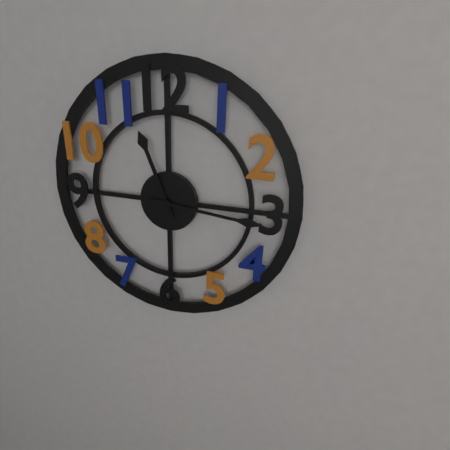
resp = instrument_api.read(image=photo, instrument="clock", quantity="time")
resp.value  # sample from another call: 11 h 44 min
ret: 11 h 16 min
